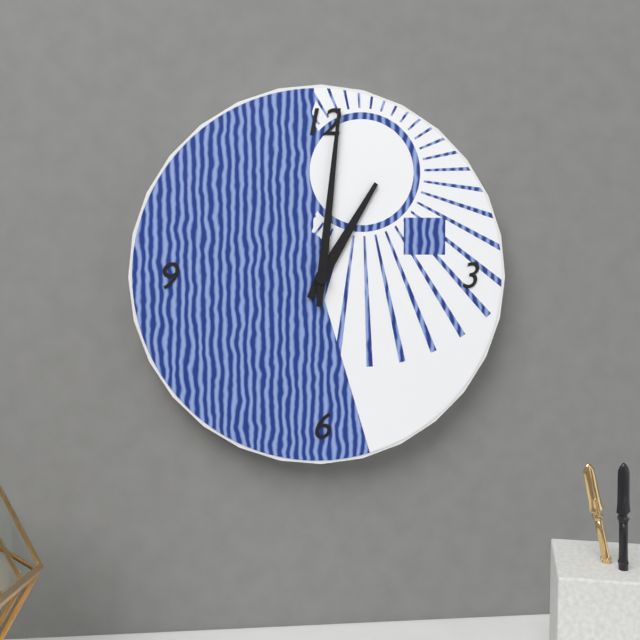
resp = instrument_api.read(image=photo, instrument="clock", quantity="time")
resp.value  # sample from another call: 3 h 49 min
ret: 1 h 01 min
